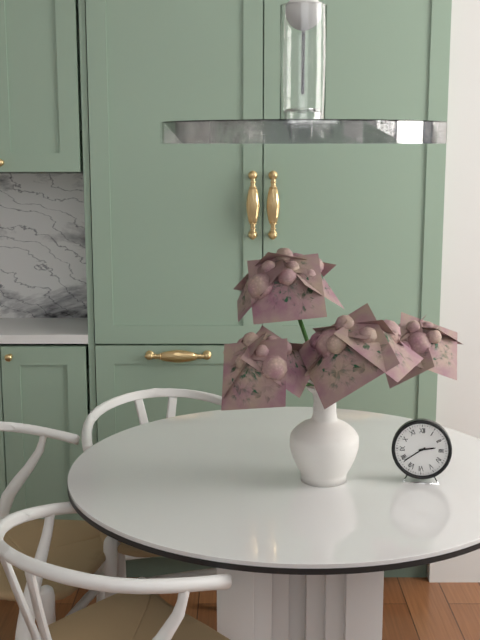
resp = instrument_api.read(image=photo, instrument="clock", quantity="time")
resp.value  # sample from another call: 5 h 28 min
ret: 2 h 39 min
